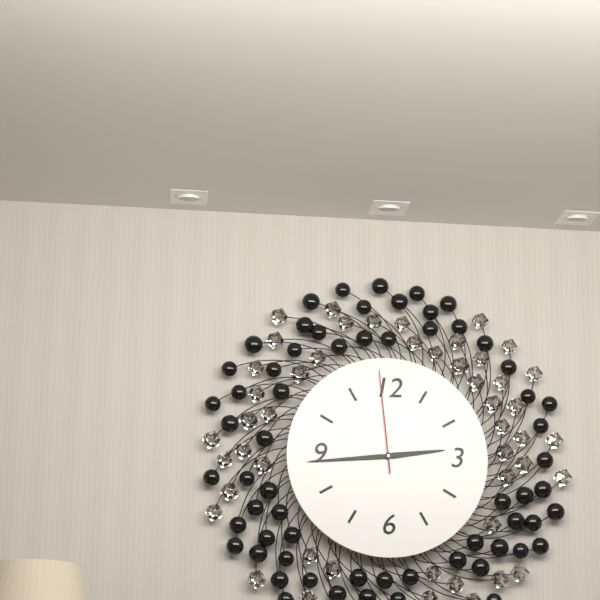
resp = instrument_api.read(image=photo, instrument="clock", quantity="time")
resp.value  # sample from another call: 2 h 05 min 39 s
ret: 2 h 44 min 59 s
